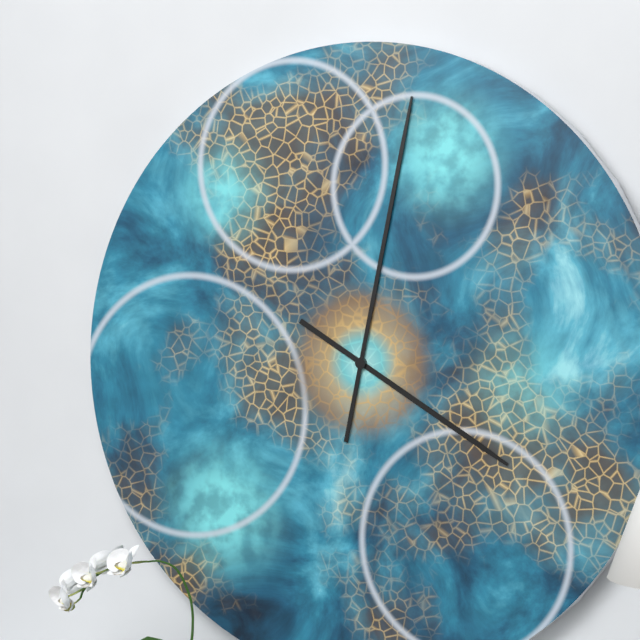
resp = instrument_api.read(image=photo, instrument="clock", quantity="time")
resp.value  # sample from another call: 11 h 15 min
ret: 4 h 02 min
